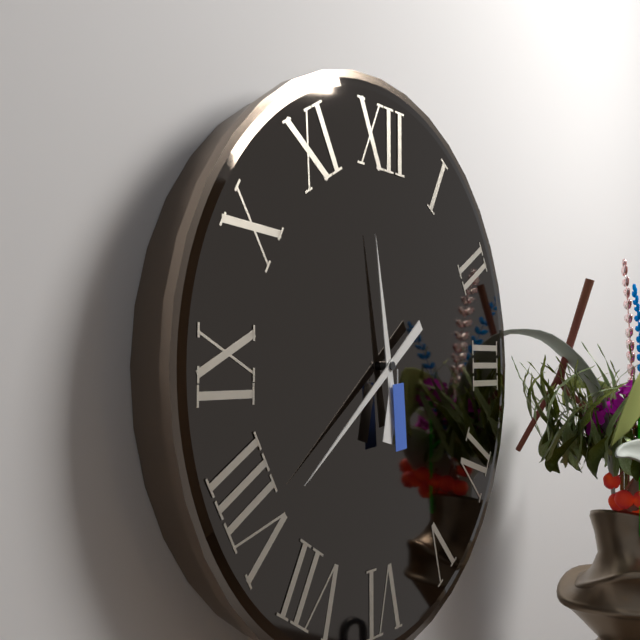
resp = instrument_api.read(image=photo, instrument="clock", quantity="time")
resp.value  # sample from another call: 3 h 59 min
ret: 11 h 39 min
